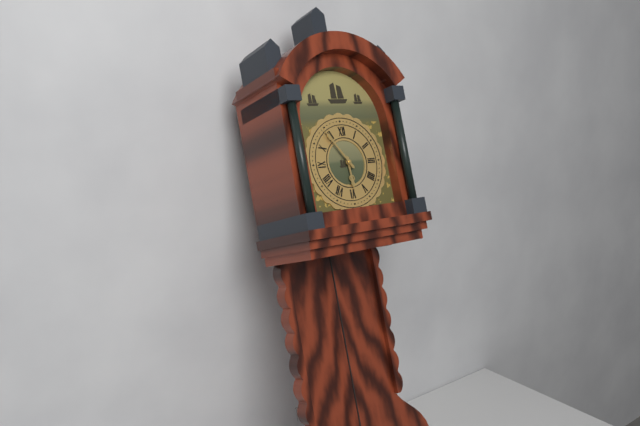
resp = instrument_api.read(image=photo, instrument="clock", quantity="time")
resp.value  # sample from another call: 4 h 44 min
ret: 5 h 54 min
